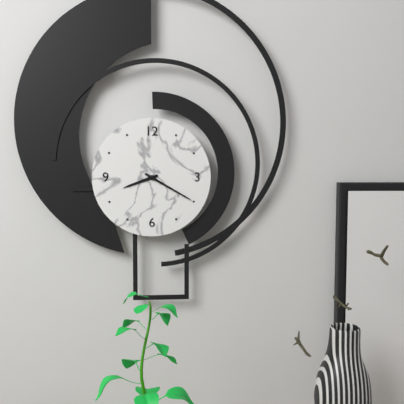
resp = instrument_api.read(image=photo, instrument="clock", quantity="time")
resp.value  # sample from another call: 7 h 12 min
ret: 8 h 20 min
